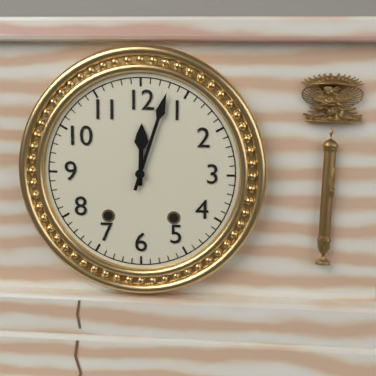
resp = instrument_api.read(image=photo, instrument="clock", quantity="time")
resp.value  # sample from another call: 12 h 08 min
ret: 12 h 03 min
